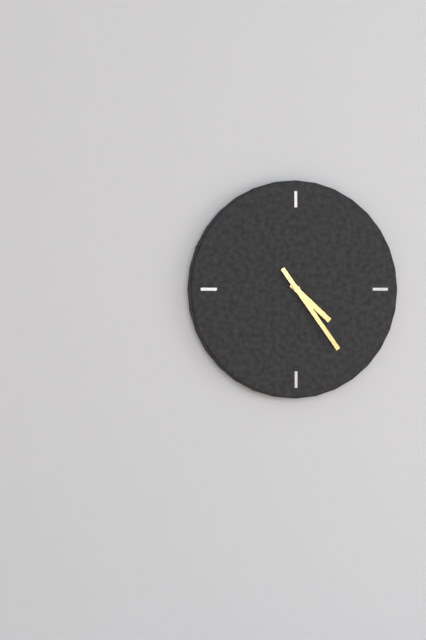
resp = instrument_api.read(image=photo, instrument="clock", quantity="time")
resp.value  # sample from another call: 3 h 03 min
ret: 4 h 24 min
